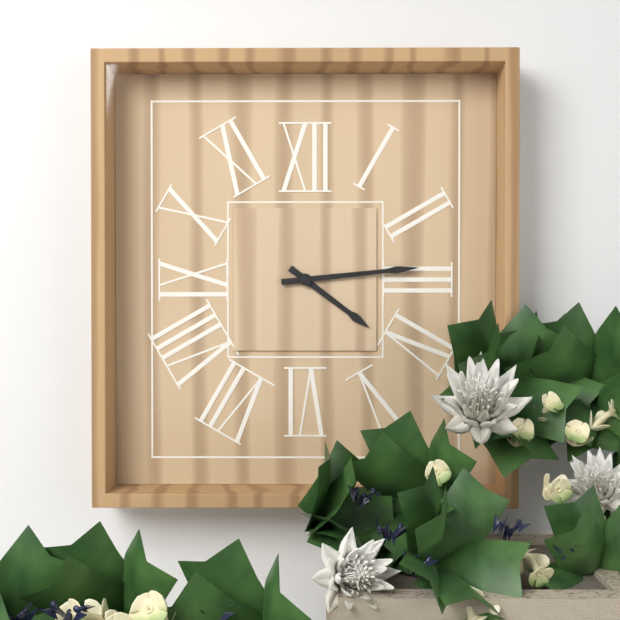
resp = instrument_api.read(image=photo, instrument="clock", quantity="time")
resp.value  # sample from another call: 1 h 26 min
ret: 4 h 14 min
